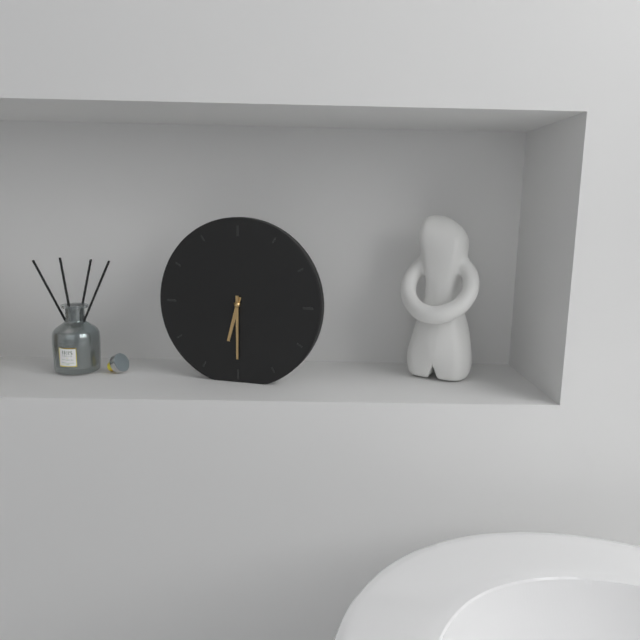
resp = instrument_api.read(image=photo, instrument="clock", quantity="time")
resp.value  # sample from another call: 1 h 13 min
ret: 6 h 30 min
